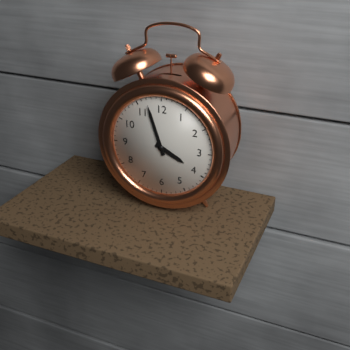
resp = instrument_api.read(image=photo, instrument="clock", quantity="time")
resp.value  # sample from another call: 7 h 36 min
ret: 3 h 57 min
